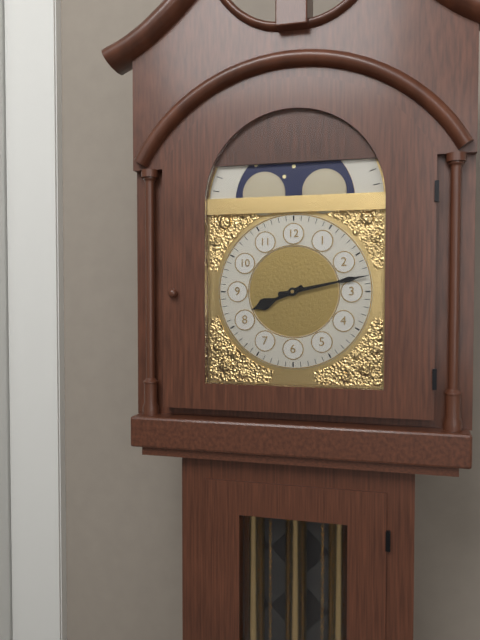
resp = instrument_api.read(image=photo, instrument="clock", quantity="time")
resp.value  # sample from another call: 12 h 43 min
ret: 8 h 13 min
